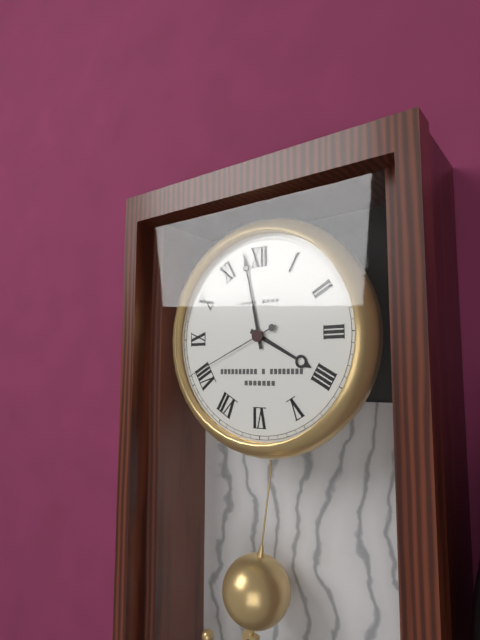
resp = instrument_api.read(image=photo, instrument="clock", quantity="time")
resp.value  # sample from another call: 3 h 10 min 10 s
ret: 3 h 58 min 41 s
